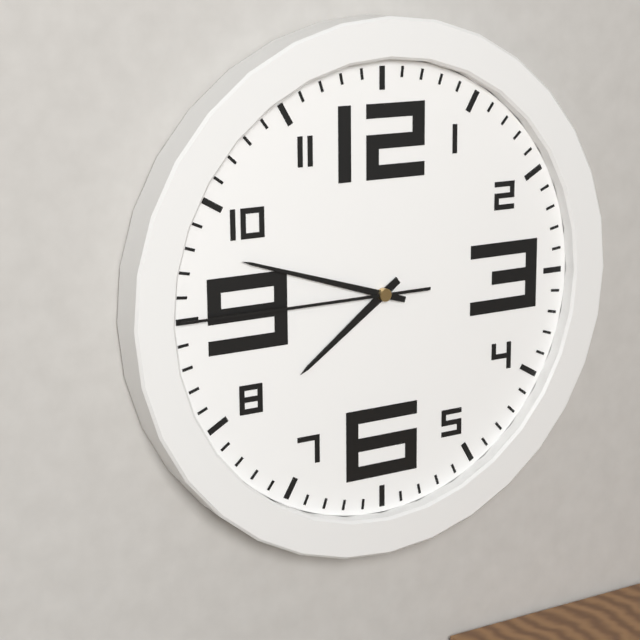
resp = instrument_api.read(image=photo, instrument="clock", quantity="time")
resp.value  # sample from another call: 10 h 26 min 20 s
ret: 7 h 48 min 45 s
